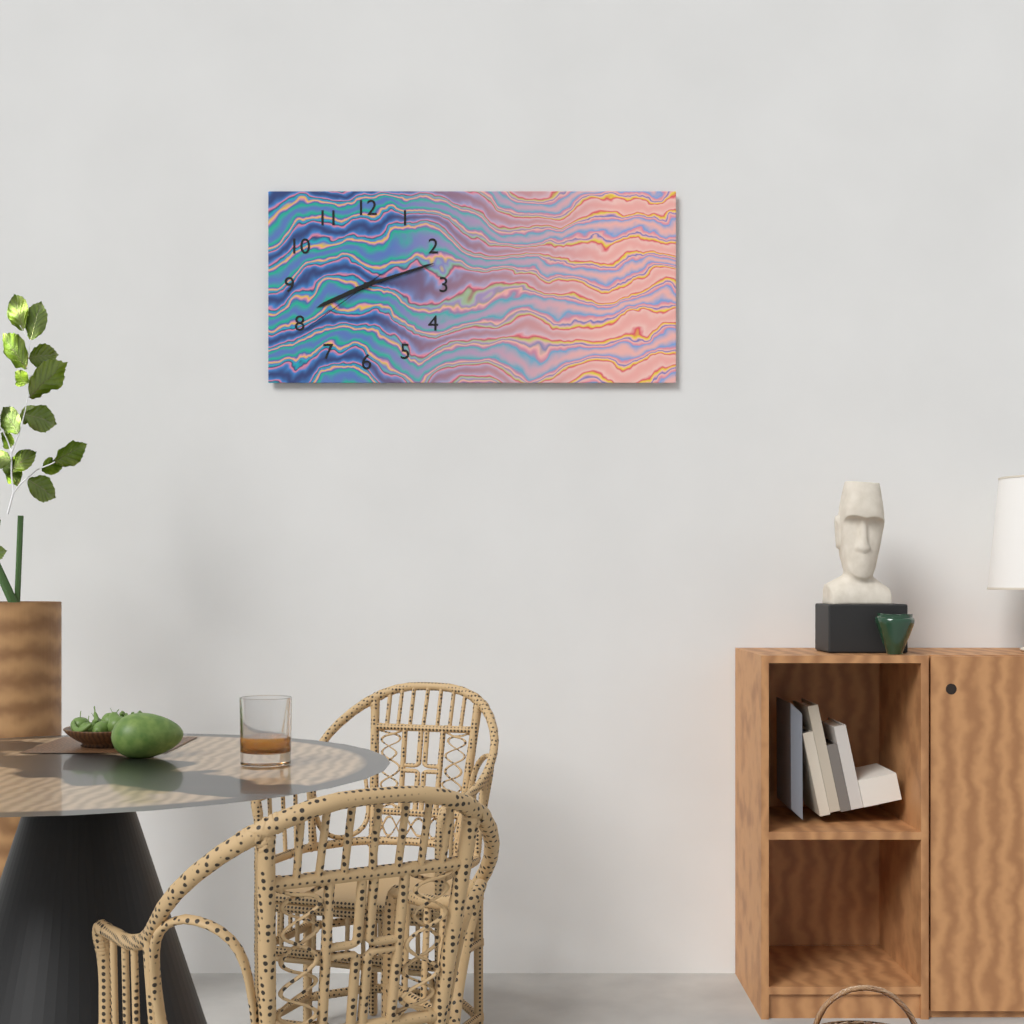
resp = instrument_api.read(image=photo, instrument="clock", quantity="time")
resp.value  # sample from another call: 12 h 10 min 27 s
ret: 8 h 12 min 39 s
